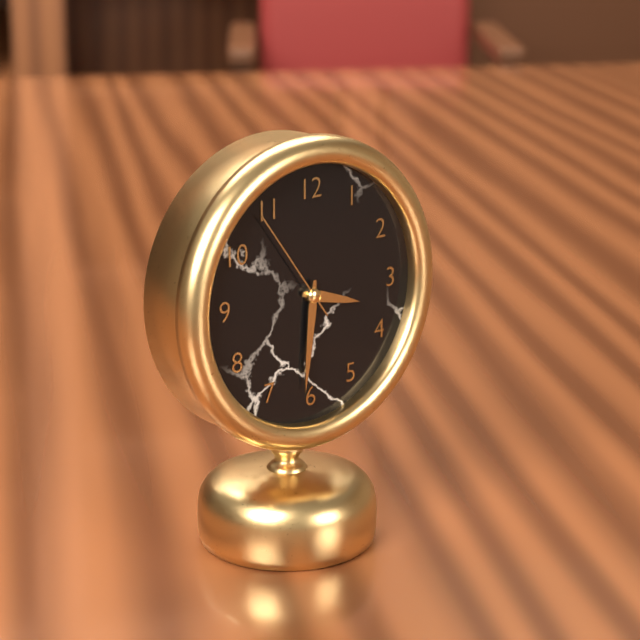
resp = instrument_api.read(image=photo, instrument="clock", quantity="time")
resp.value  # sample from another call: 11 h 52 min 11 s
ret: 3 h 31 min 54 s
